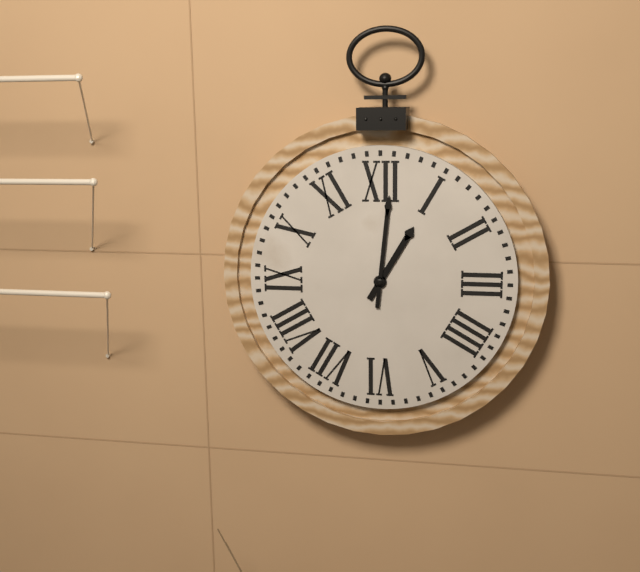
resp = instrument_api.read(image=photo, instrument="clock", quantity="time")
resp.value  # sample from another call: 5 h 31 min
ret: 1 h 01 min
